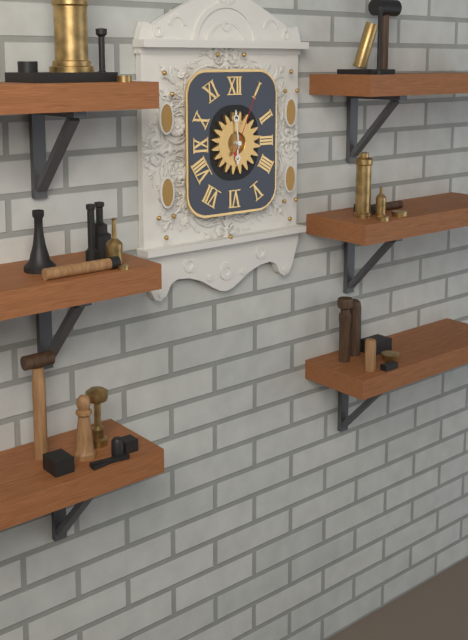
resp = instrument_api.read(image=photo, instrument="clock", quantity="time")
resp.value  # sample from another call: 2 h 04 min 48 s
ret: 5 h 59 min 04 s
